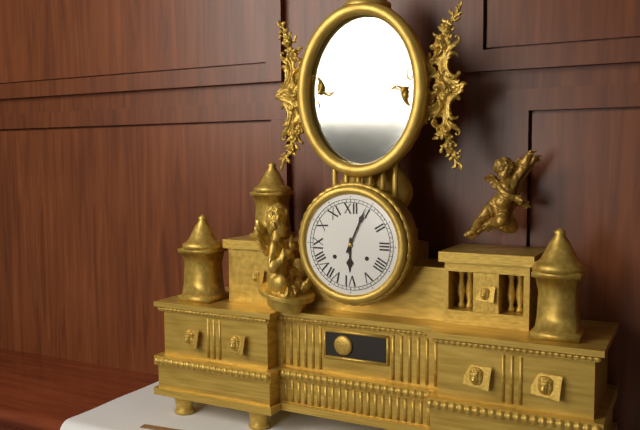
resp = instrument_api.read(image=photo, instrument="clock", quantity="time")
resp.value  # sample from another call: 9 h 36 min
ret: 6 h 04 min
